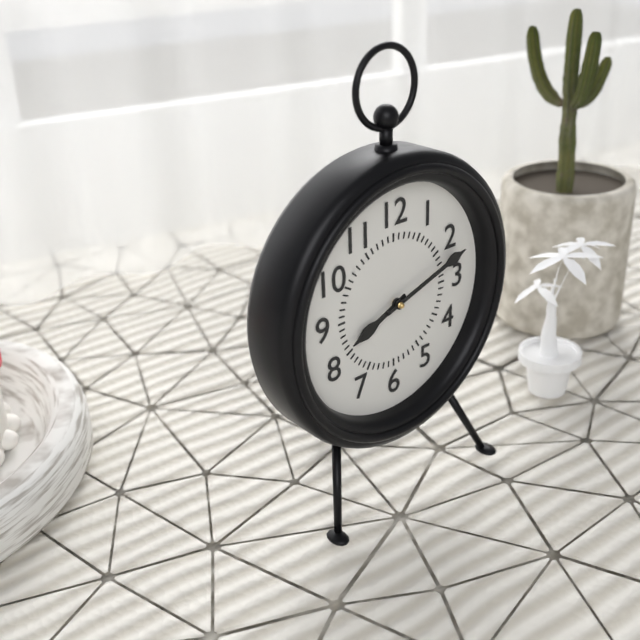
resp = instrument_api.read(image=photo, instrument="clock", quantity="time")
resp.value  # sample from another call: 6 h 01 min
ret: 8 h 12 min
